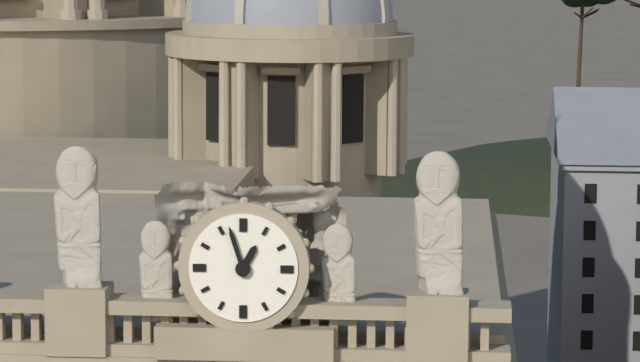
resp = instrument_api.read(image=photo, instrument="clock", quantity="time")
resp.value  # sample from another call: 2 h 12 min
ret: 12 h 57 min
